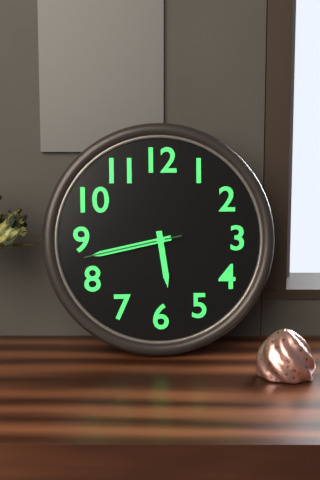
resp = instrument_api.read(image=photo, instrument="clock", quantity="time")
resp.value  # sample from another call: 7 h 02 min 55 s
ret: 5 h 43 min 43 s
